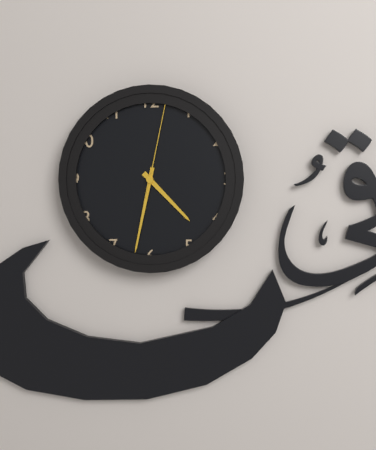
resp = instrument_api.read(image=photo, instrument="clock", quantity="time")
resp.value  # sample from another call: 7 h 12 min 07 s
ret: 4 h 32 min 02 s
